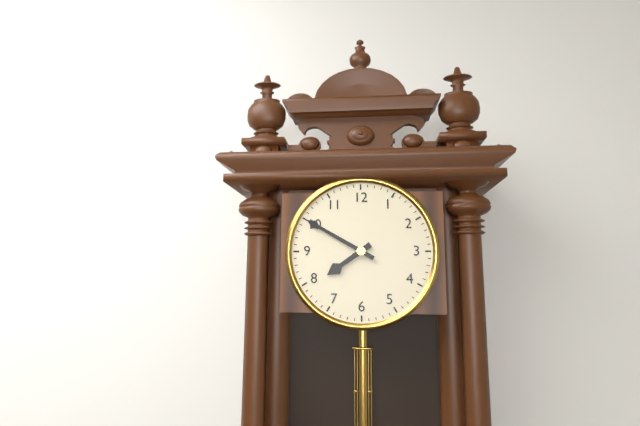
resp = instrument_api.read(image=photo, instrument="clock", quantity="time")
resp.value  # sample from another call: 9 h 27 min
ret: 7 h 50 min
